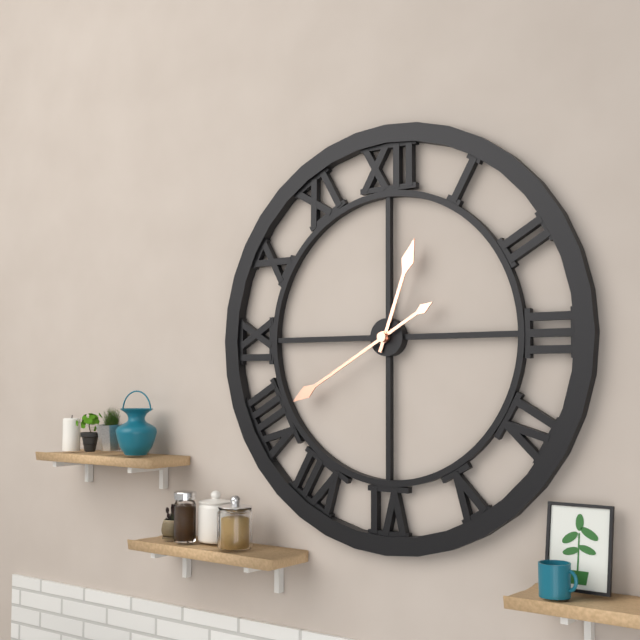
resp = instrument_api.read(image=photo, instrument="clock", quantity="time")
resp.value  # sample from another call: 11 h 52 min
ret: 12 h 40 min
